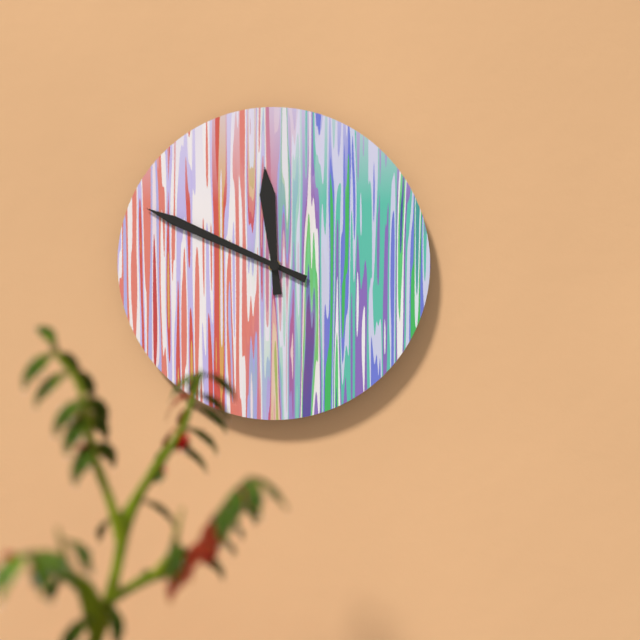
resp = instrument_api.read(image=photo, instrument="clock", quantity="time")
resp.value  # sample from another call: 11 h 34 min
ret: 11 h 49 min
